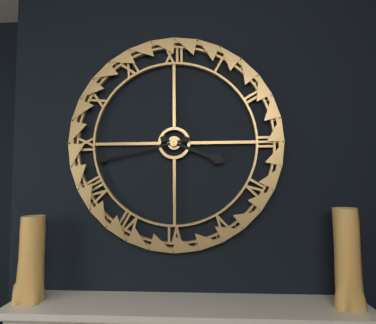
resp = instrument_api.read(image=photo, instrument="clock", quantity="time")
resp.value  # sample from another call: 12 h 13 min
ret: 3 h 43 min
